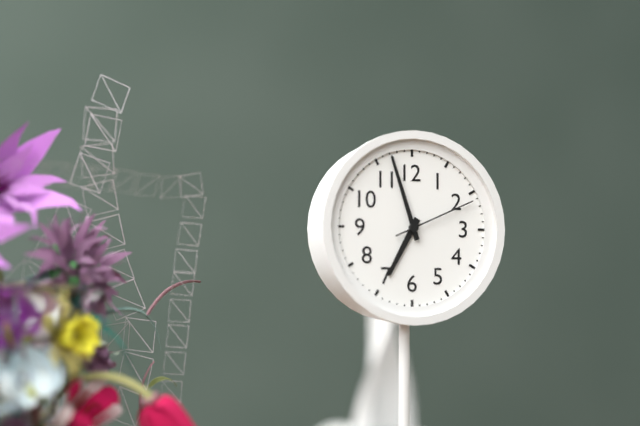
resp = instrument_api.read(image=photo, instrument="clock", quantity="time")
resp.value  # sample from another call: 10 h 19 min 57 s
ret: 6 h 57 min 11 s
